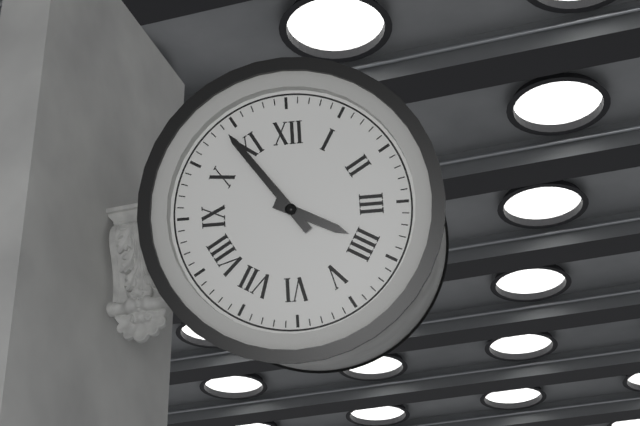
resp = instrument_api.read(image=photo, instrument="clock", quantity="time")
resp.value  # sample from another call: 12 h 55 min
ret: 3 h 54 min
